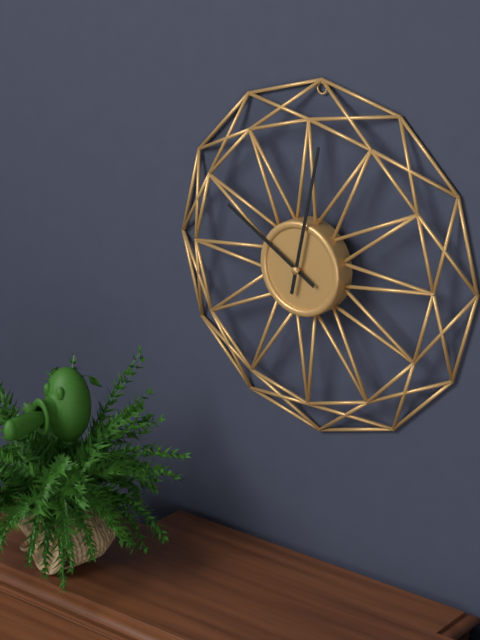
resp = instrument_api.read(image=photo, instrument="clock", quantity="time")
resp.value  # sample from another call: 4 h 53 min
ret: 10 h 02 min
